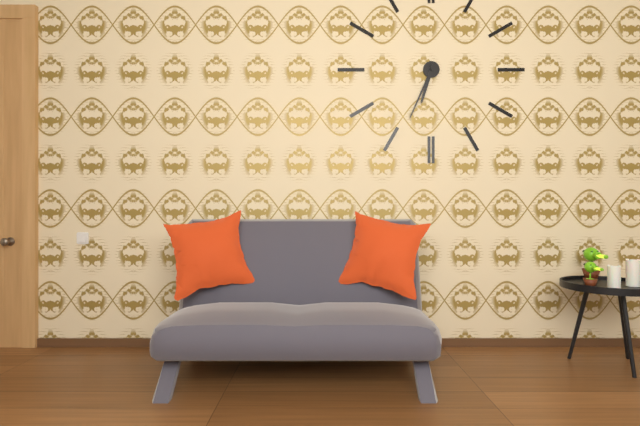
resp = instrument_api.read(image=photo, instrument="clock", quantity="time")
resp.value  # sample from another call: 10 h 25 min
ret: 6 h 34 min
